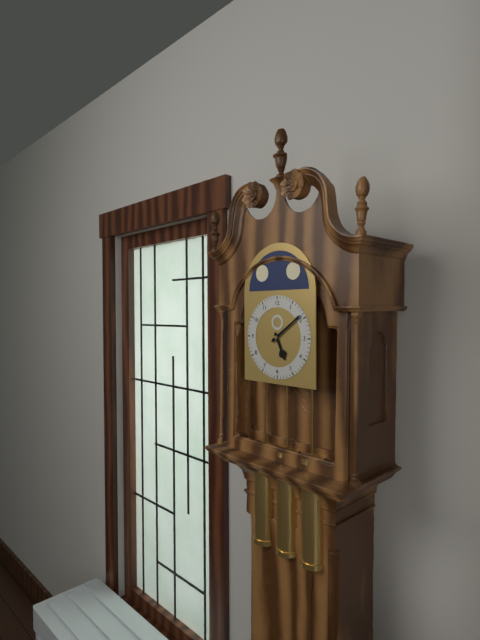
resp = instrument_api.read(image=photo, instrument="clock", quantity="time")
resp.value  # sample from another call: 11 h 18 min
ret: 5 h 09 min
